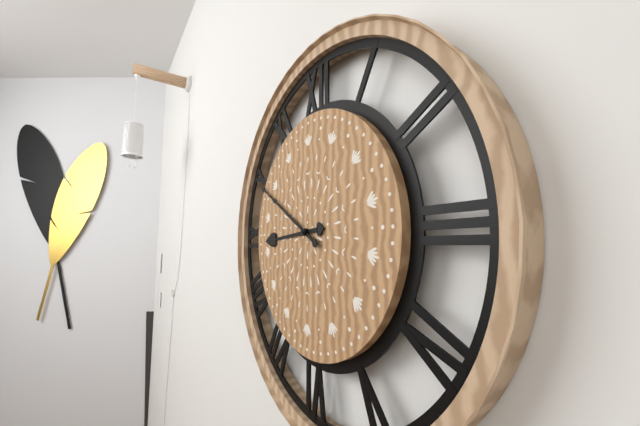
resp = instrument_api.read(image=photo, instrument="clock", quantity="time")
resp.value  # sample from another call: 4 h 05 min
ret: 8 h 50 min
